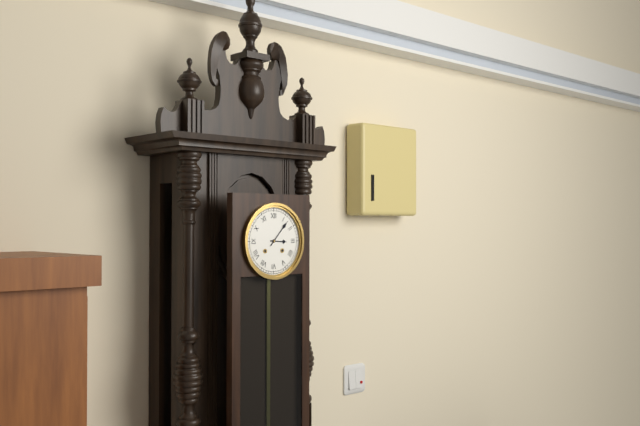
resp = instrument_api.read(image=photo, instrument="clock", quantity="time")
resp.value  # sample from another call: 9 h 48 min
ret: 3 h 07 min
